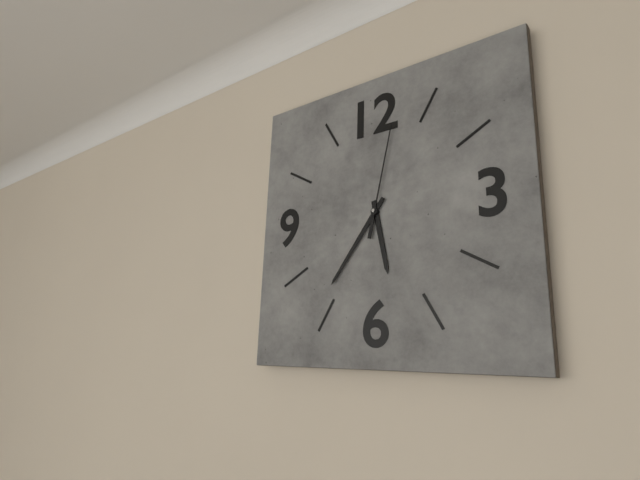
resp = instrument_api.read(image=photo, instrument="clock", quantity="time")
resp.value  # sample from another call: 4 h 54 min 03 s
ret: 5 h 36 min 02 s
